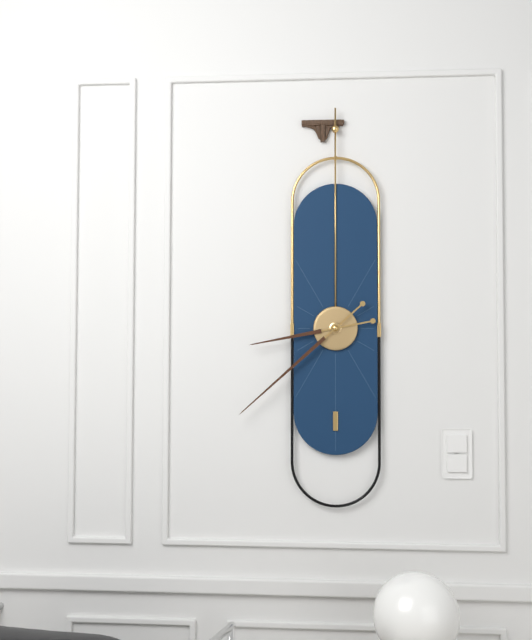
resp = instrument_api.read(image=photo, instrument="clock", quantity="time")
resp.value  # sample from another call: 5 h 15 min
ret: 8 h 38 min
